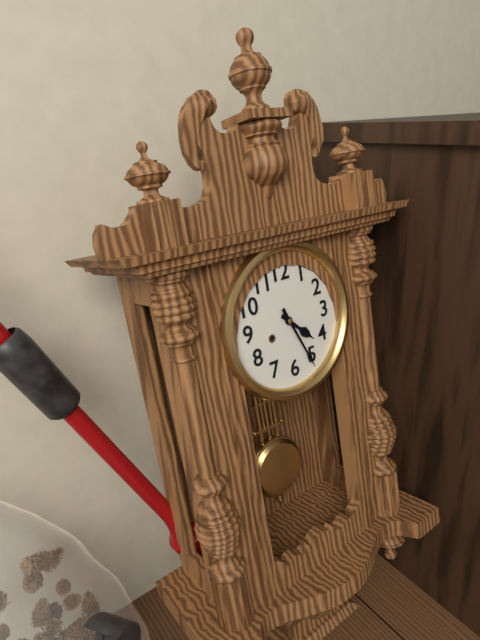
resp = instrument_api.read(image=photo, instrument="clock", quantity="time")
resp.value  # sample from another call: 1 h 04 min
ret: 4 h 26 min
